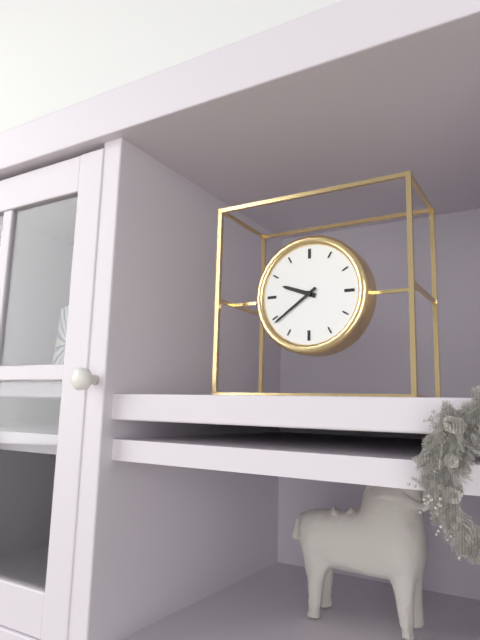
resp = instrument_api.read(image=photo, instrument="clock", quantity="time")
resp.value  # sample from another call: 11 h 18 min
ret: 9 h 39 min
